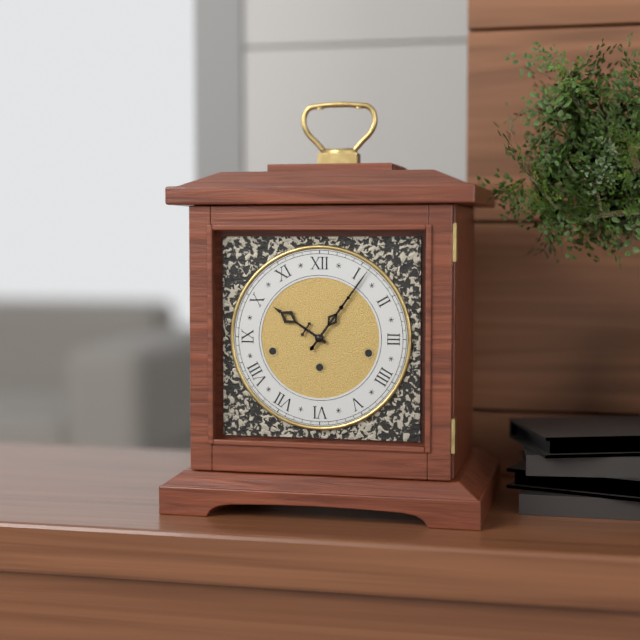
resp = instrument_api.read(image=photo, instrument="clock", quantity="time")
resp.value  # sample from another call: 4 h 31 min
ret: 10 h 06 min
